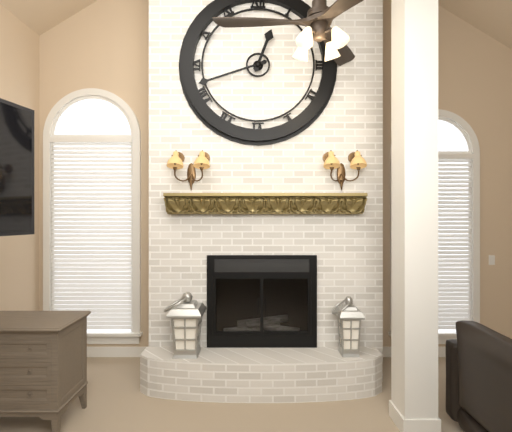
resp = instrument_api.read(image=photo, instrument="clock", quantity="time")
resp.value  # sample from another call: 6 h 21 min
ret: 12 h 42 min
